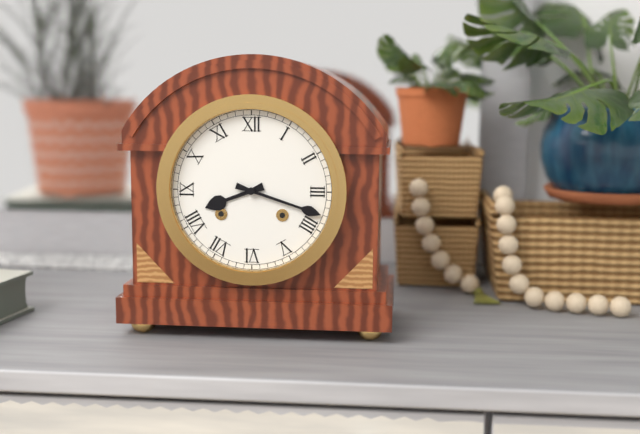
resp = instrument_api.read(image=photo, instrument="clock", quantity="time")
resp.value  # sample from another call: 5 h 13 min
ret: 8 h 18 min
